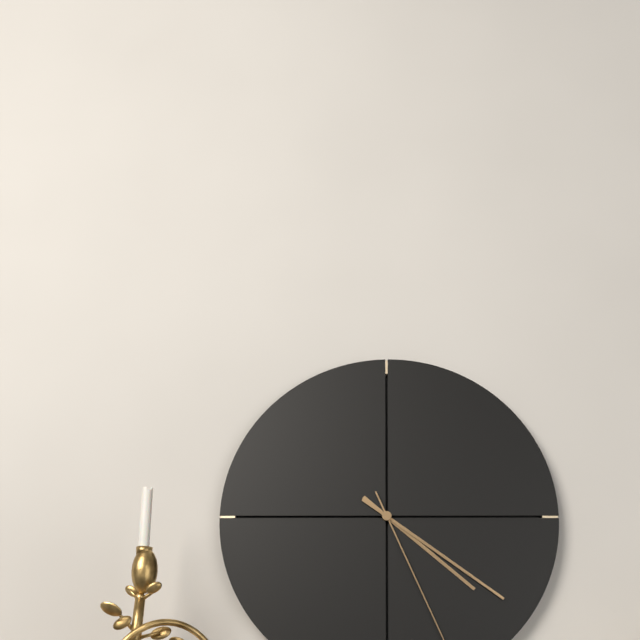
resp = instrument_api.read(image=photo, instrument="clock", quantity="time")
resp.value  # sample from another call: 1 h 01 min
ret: 4 h 21 min
